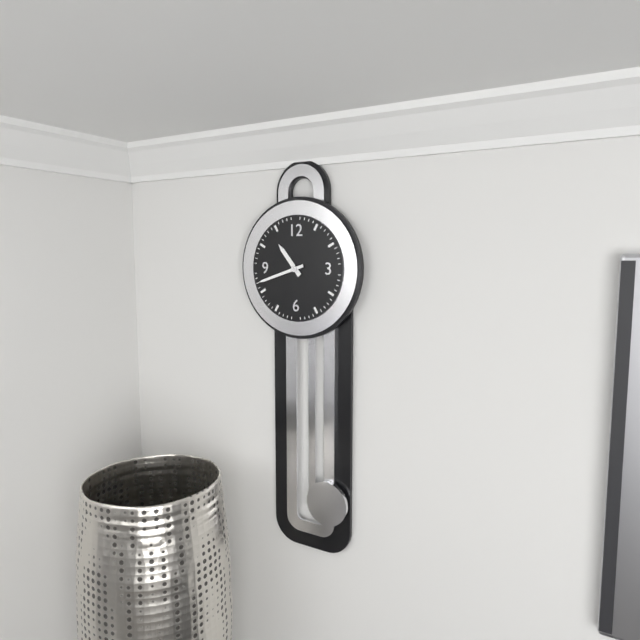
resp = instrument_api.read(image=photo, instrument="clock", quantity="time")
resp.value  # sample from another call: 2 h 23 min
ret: 10 h 42 min
